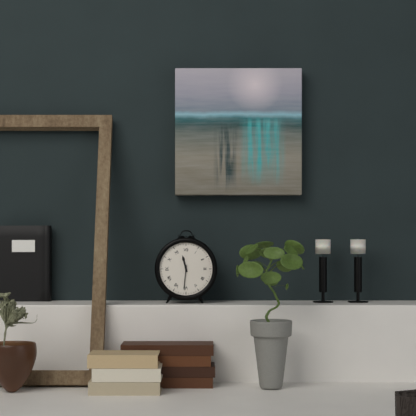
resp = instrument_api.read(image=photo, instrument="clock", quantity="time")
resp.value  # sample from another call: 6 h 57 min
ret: 11 h 31 min
